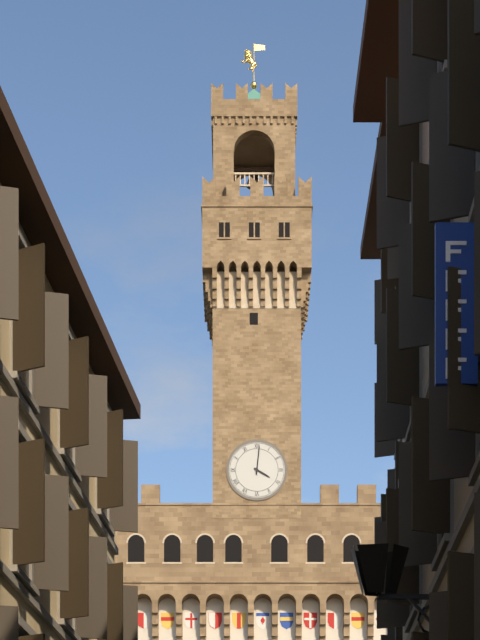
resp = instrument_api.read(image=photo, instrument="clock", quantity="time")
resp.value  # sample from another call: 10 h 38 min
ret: 4 h 01 min
